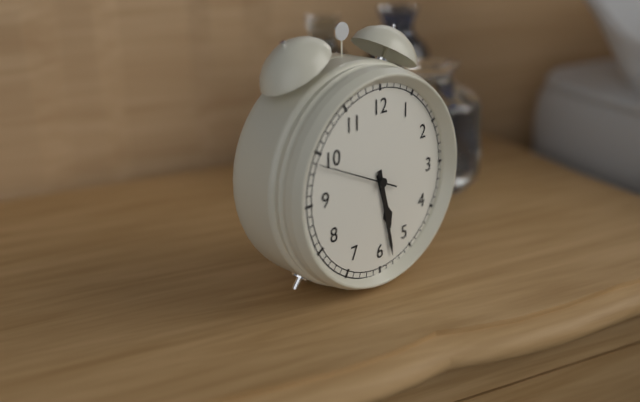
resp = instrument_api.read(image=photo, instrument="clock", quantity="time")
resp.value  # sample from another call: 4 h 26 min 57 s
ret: 5 h 28 min 49 s
